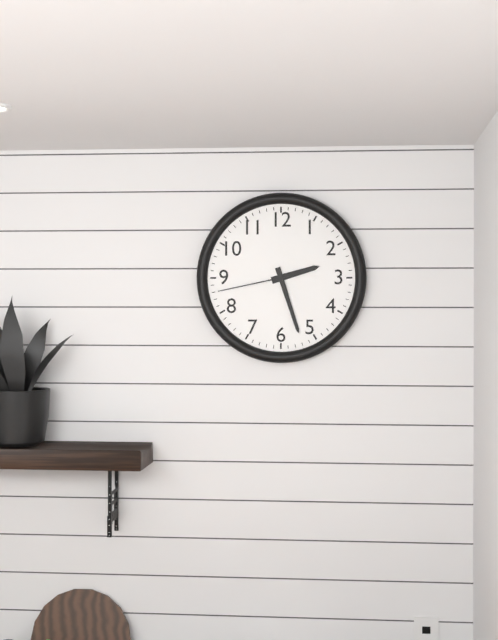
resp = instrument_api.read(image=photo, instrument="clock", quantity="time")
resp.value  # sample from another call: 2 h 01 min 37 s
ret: 2 h 27 min 43 s
